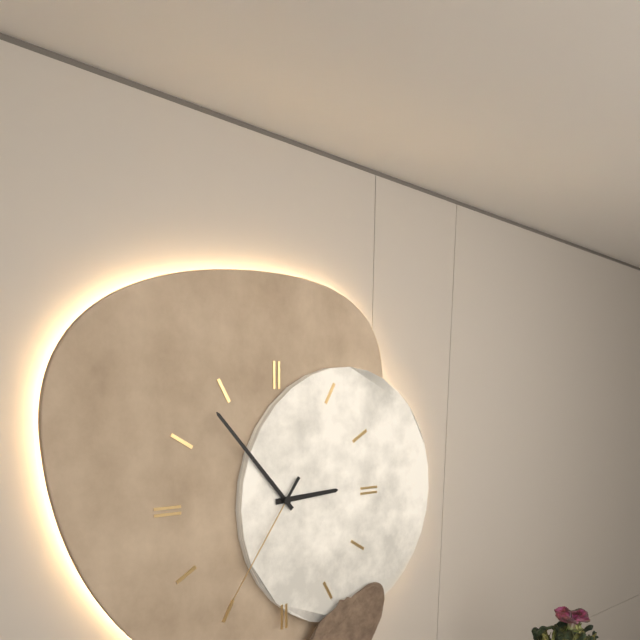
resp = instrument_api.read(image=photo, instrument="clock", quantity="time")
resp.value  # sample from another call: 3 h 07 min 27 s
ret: 2 h 53 min 36 s
